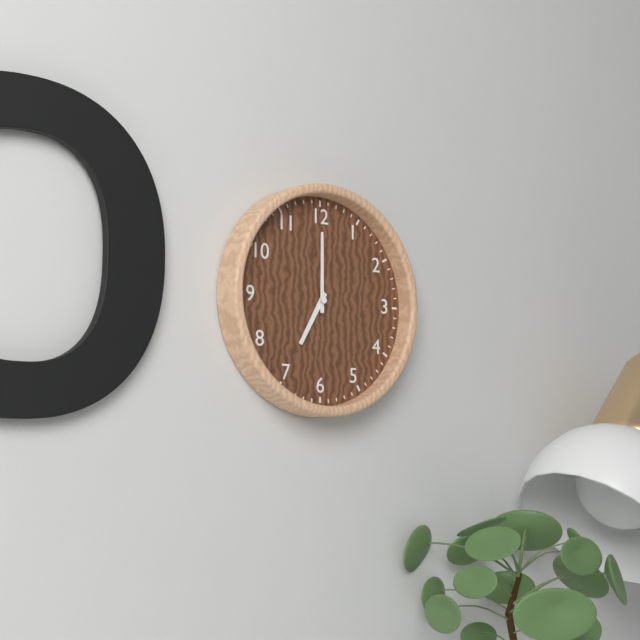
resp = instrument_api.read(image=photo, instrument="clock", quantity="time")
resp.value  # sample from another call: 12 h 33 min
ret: 7 h 00 min
